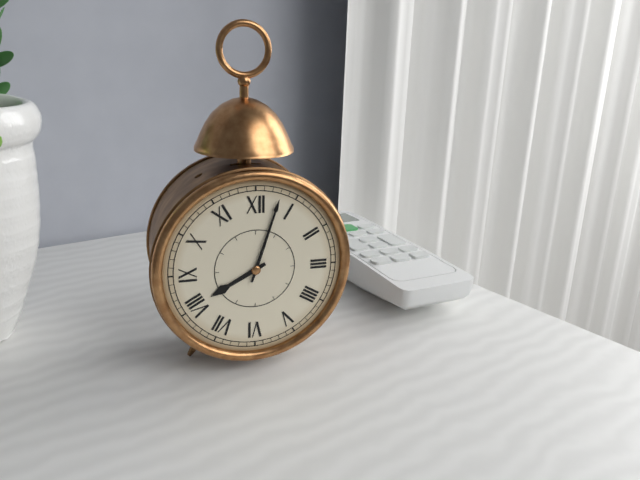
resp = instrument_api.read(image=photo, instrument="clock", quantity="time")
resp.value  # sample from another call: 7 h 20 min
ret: 8 h 03 min
